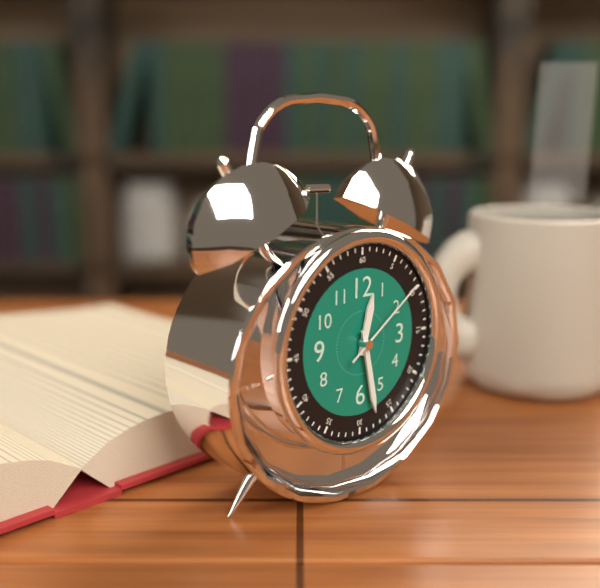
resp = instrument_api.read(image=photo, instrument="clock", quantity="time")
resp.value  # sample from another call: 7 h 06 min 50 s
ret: 12 h 28 min 09 s
